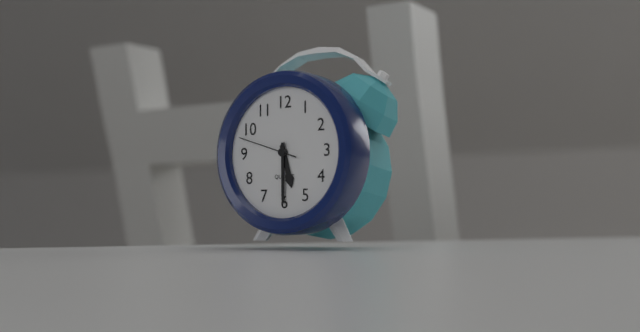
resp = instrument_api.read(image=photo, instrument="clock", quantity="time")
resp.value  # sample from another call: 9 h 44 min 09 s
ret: 5 h 30 min 48 s
